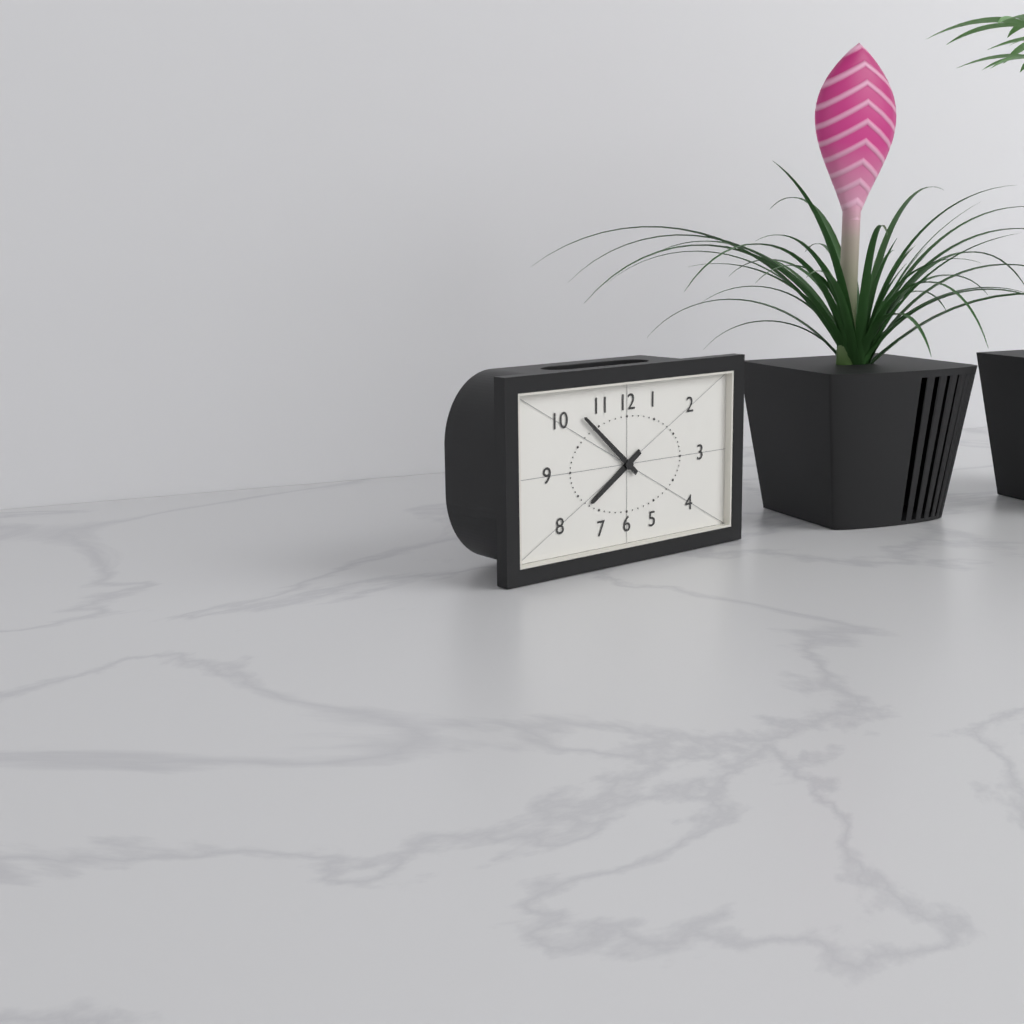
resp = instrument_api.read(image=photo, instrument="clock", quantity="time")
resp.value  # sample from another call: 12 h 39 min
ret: 7 h 52 min
